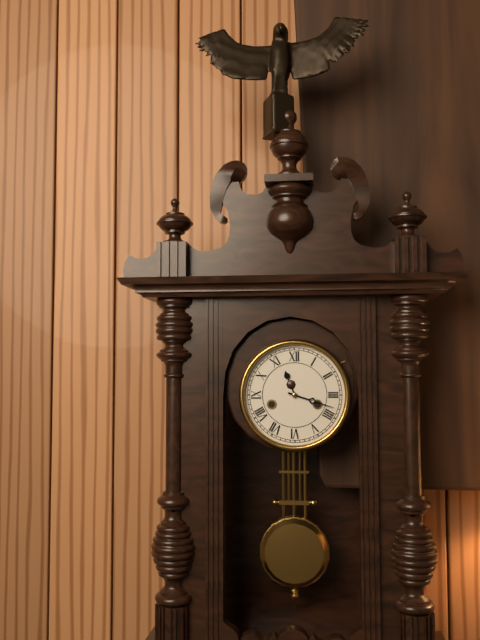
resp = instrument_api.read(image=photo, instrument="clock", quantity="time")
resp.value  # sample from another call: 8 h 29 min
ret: 11 h 18 min
